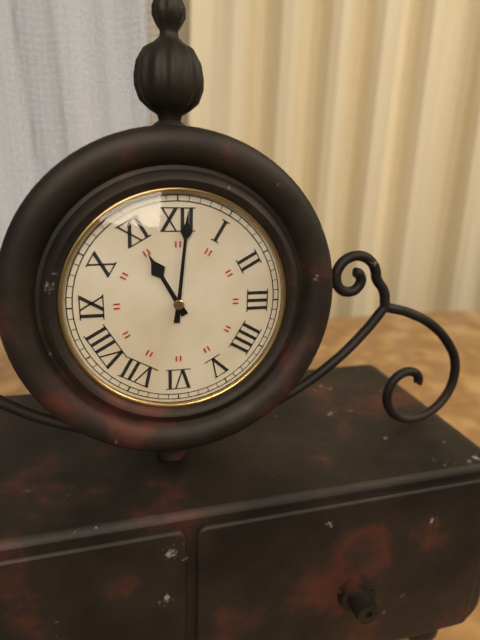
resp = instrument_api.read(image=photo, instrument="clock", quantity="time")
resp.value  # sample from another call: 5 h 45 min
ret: 11 h 01 min
